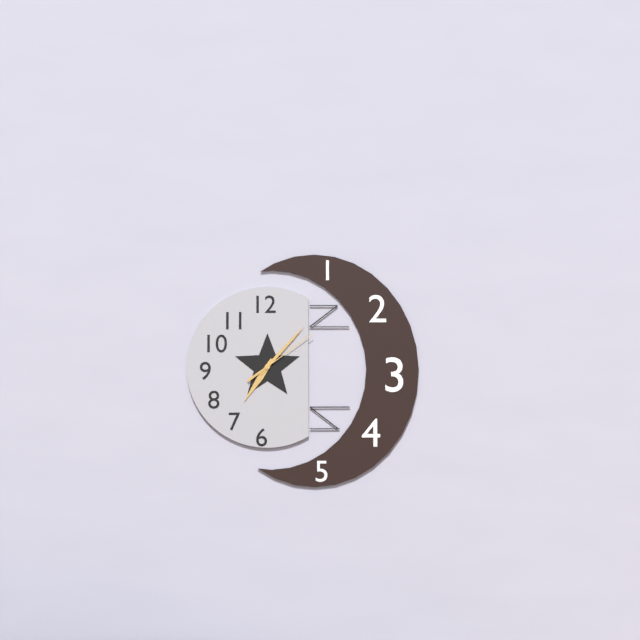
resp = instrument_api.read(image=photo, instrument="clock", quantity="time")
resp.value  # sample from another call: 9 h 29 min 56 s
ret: 7 h 07 min 09 s
